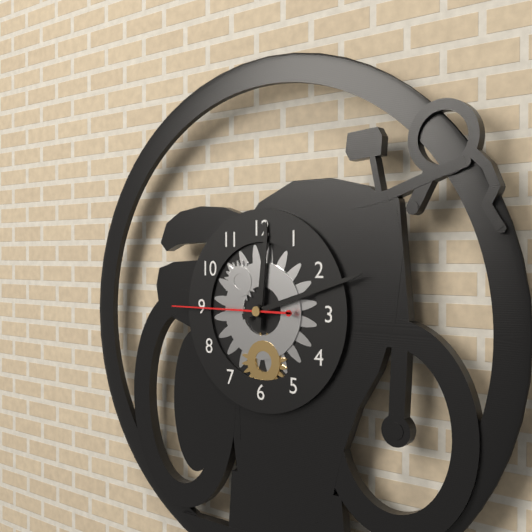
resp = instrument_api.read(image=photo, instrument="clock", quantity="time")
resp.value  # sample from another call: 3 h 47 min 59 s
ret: 12 h 12 min 45 s
